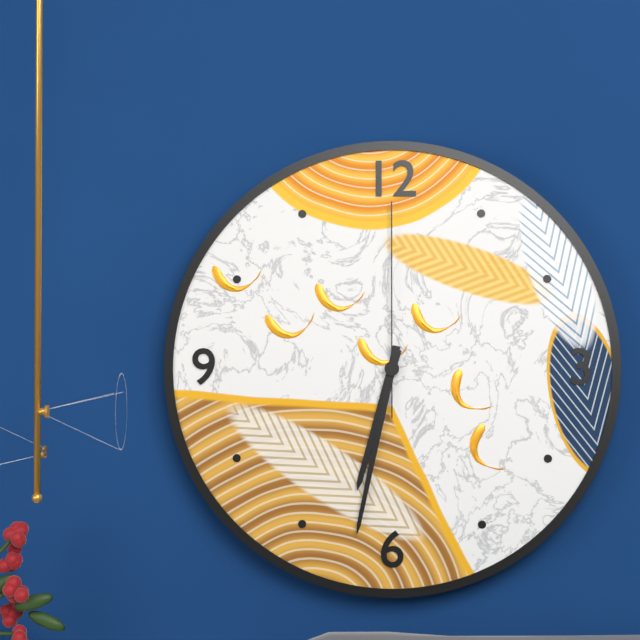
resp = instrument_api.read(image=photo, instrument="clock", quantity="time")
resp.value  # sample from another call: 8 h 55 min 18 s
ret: 6 h 32 min 00 s
